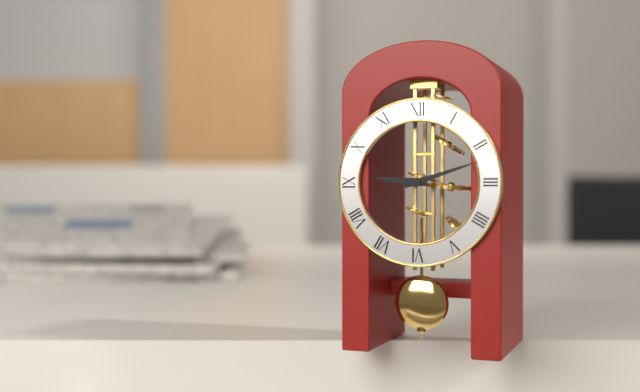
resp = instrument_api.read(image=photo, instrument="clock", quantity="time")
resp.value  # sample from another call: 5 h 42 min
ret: 9 h 12 min
